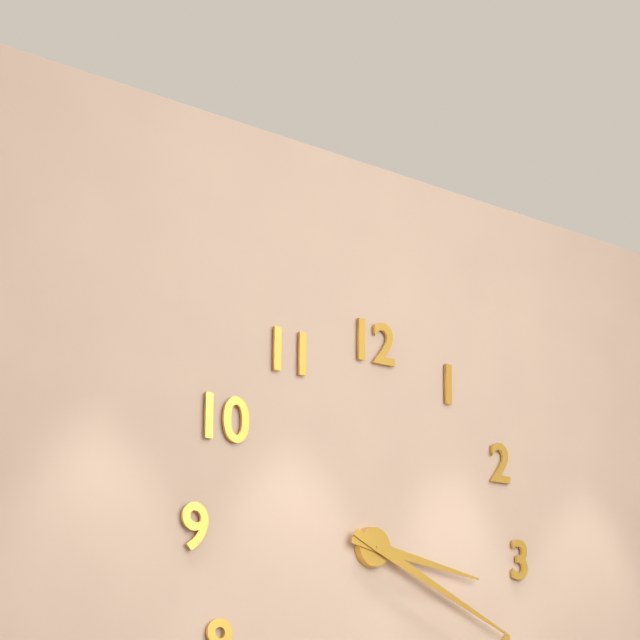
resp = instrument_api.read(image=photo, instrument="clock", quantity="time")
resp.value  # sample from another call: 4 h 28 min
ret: 3 h 19 min
